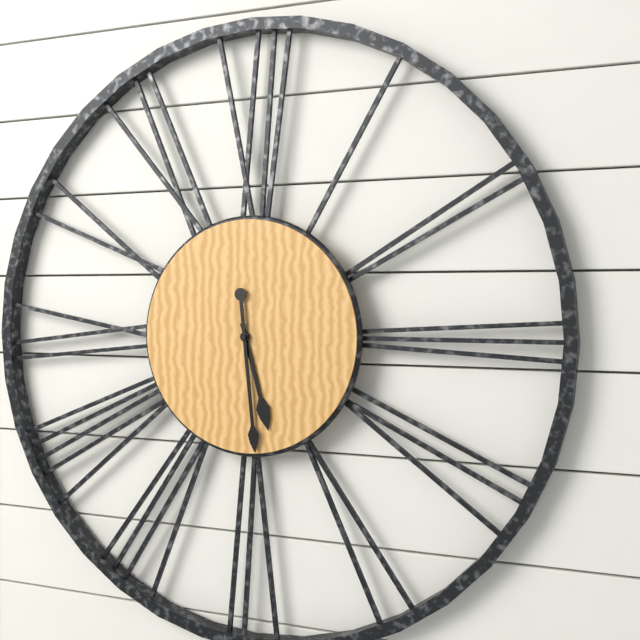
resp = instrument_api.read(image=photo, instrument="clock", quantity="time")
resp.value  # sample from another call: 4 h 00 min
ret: 5 h 29 min
